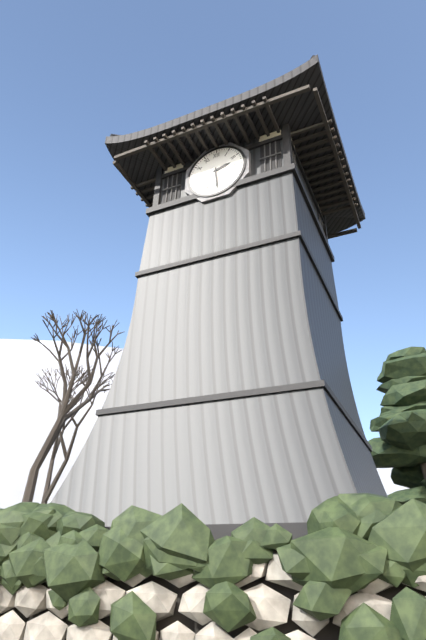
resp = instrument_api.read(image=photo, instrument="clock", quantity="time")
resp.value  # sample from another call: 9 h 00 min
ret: 2 h 29 min
